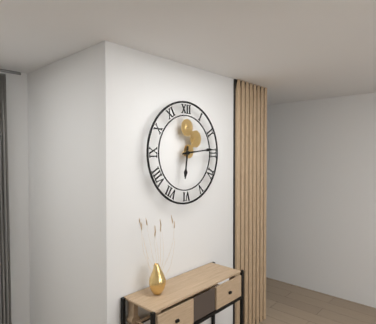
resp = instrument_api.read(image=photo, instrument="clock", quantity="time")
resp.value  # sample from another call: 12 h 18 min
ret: 6 h 14 min
